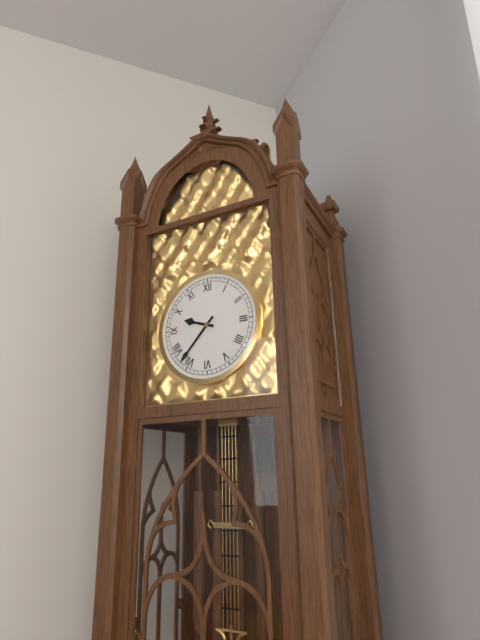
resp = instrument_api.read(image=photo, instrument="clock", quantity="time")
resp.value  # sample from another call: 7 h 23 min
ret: 9 h 37 min
